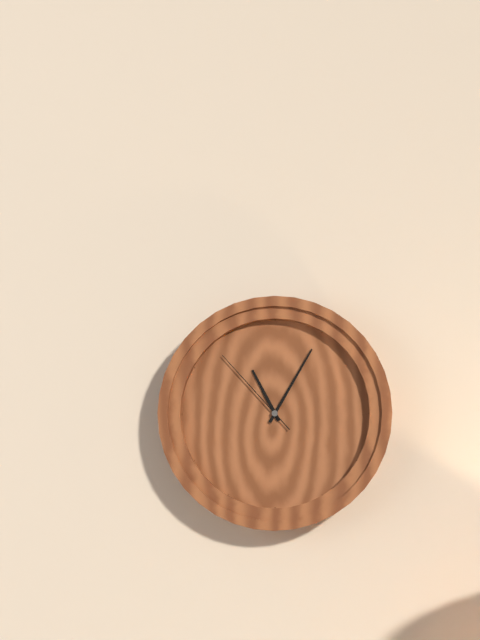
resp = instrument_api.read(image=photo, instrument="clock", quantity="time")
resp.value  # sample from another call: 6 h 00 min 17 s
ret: 11 h 05 min 53 s
